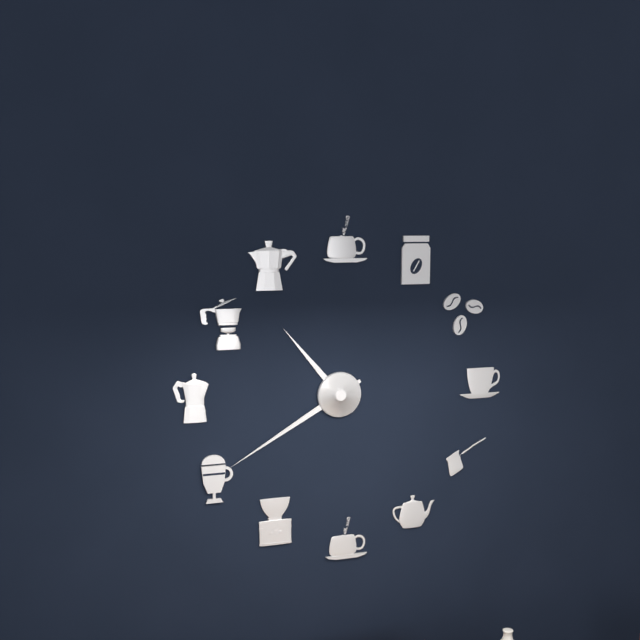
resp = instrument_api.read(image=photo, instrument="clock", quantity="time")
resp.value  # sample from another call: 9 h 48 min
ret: 10 h 40 min
